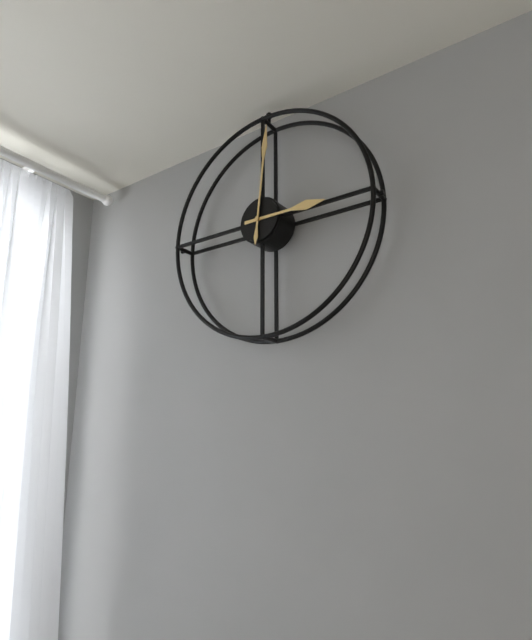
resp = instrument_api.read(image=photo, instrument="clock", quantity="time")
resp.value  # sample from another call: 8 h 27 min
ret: 3 h 01 min
